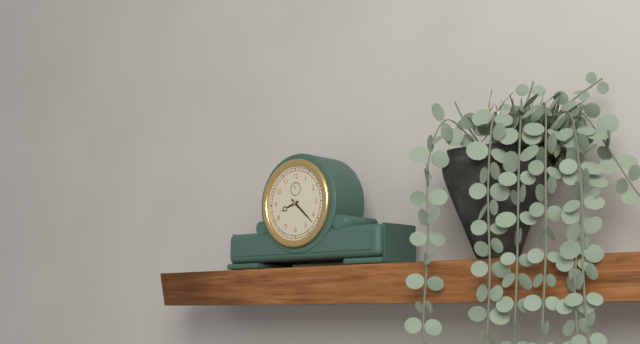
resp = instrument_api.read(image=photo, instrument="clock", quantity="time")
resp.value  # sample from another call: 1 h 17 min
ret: 8 h 22 min
